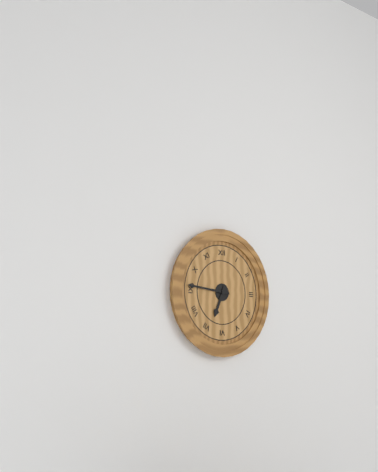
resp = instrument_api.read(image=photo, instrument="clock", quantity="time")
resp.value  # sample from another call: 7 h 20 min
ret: 6 h 46 min
